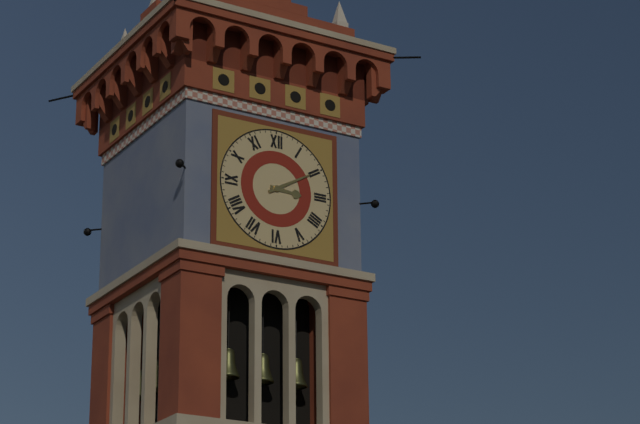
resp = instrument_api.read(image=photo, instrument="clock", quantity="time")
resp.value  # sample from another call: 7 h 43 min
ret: 3 h 10 min
